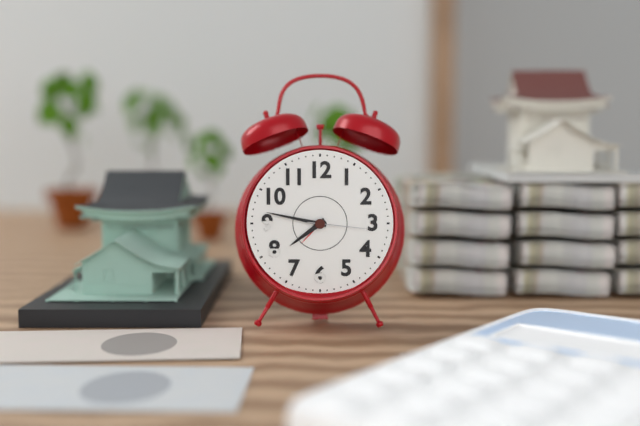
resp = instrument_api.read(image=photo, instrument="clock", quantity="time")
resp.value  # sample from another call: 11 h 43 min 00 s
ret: 7 h 47 min 16 s
